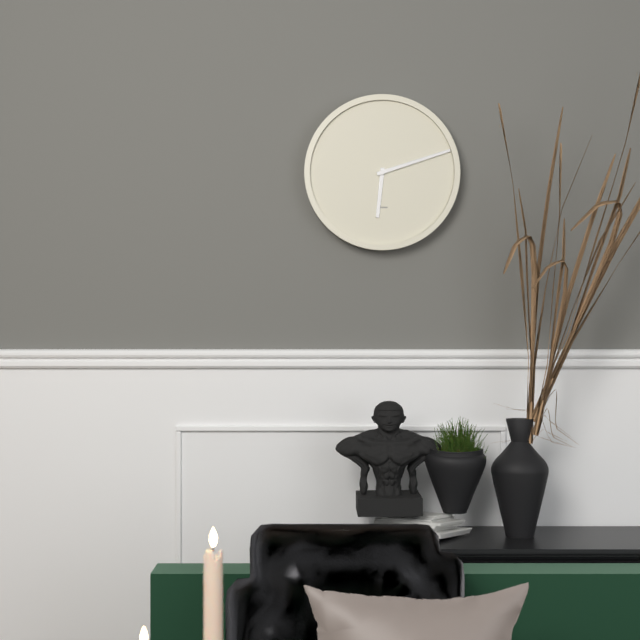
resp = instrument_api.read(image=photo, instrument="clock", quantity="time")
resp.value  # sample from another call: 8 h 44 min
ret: 6 h 12 min
